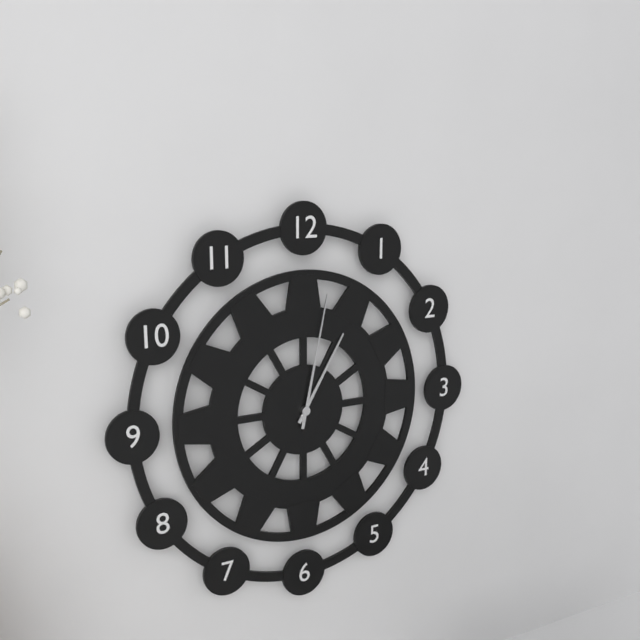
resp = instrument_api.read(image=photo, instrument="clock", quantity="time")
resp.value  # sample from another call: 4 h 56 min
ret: 1 h 02 min
